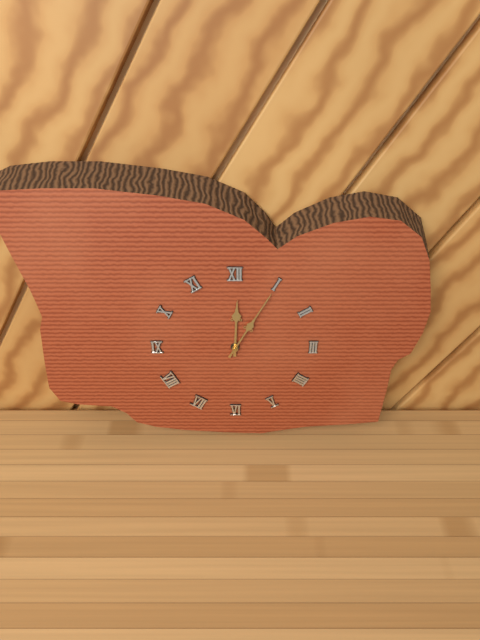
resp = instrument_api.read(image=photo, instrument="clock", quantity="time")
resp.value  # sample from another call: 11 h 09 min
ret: 12 h 05 min
